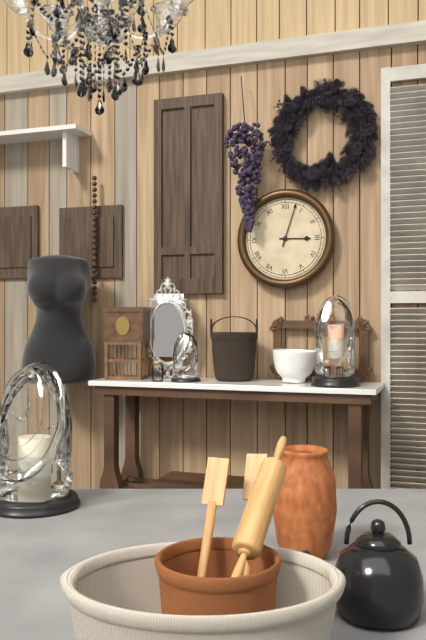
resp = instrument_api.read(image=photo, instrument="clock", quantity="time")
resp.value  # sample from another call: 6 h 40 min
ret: 3 h 03 min
